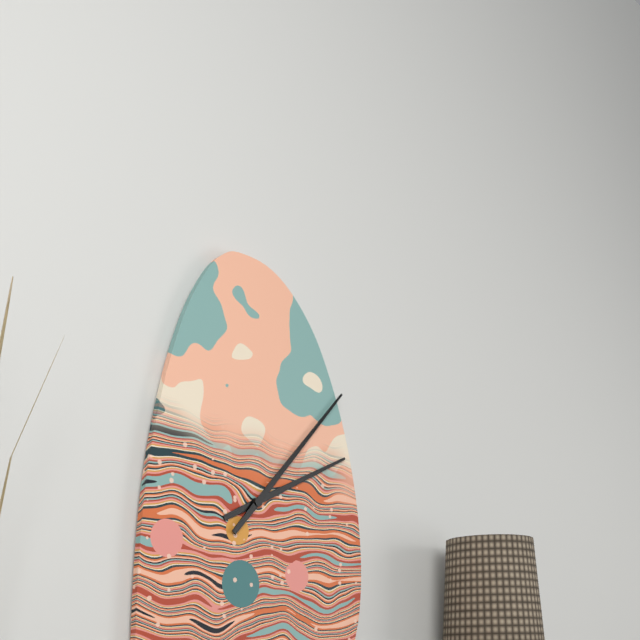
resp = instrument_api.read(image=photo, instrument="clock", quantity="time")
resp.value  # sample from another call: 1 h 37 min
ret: 2 h 07 min
